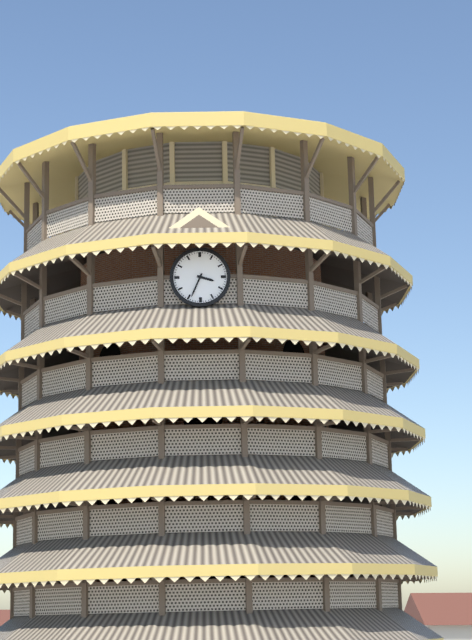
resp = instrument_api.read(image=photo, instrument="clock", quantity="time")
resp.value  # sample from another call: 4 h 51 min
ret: 3 h 34 min
